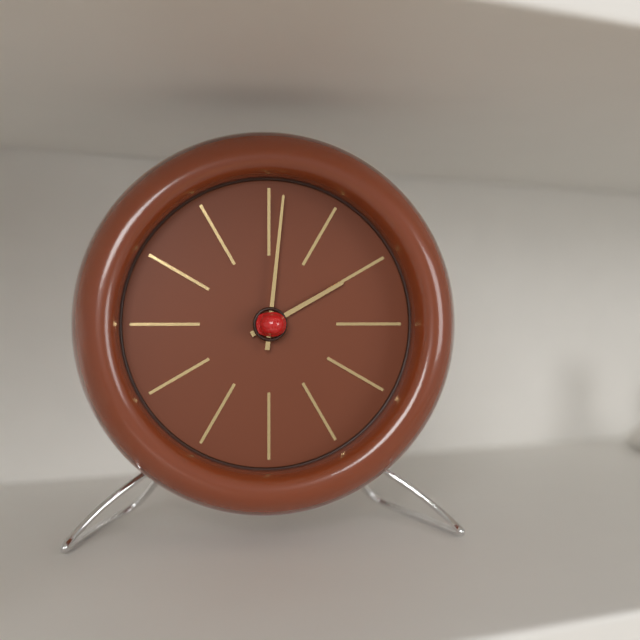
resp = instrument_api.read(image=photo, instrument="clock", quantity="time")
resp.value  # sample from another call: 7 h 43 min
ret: 2 h 01 min
